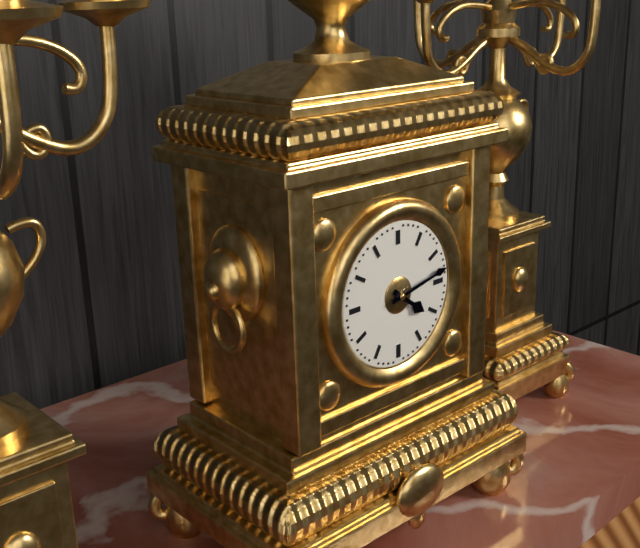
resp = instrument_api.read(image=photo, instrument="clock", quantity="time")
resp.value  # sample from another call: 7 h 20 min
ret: 4 h 13 min
